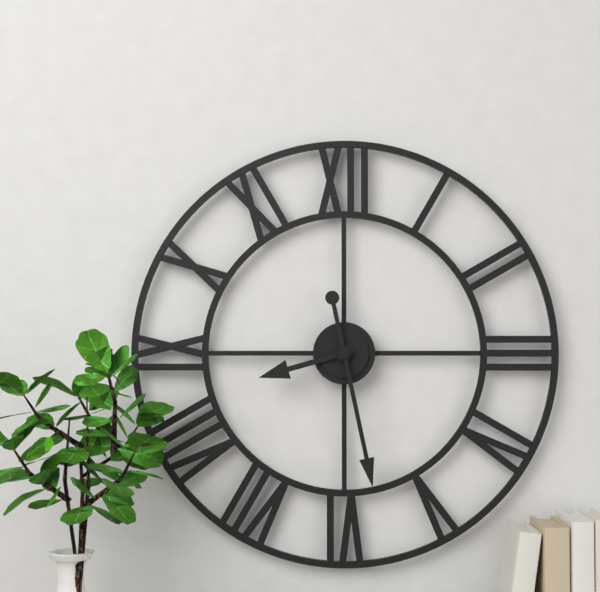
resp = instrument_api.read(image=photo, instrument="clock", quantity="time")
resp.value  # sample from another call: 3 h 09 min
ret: 8 h 28 min
